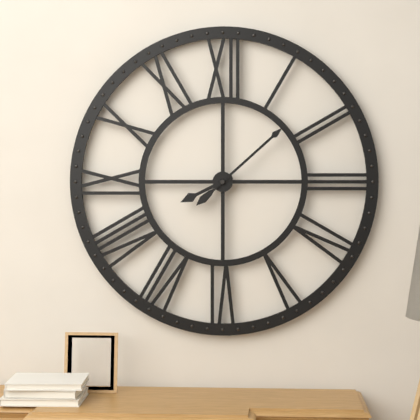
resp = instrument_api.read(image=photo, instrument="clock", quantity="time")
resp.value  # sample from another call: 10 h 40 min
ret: 8 h 08 min
